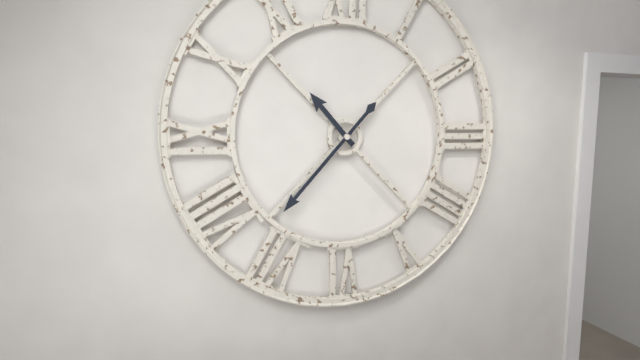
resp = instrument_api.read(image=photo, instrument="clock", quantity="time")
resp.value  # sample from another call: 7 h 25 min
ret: 10 h 37 min
